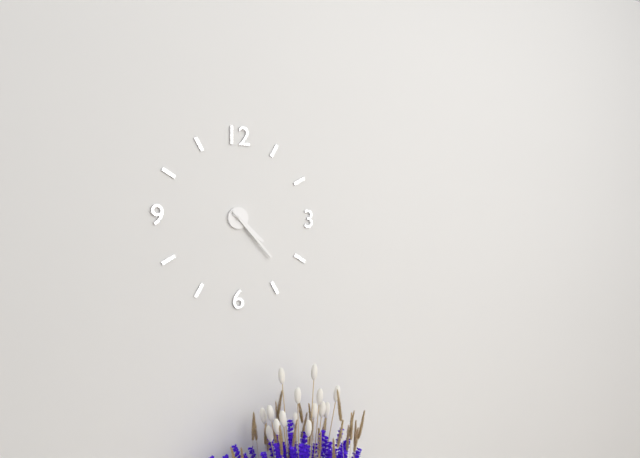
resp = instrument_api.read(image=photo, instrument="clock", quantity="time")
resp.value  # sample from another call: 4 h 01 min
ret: 4 h 23 min
